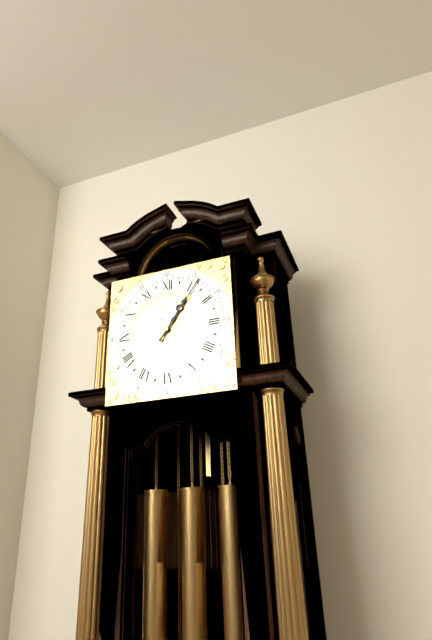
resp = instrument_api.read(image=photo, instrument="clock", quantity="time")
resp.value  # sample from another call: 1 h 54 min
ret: 1 h 06 min
